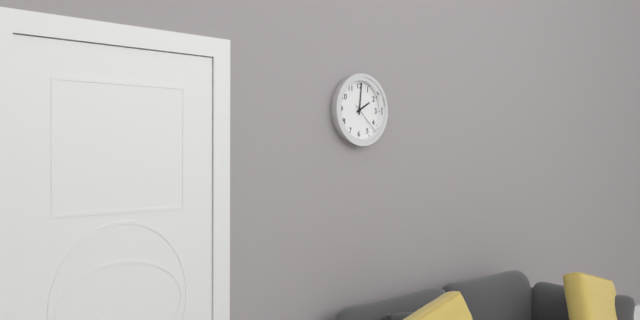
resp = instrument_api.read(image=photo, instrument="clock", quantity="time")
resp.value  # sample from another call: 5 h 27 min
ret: 2 h 01 min
